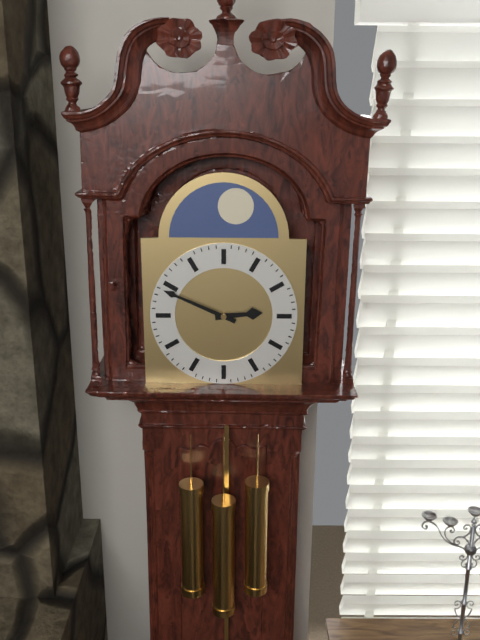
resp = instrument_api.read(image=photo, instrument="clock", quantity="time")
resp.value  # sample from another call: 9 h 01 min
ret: 2 h 49 min
